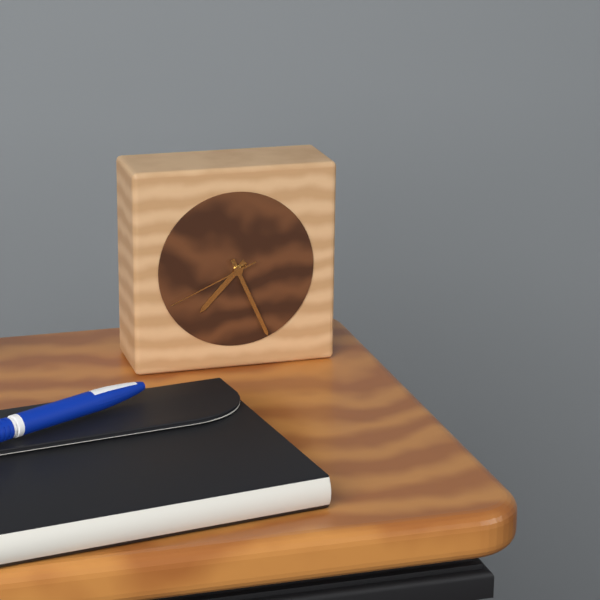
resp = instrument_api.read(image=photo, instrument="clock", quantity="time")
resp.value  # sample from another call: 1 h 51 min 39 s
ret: 7 h 26 min 41 s
